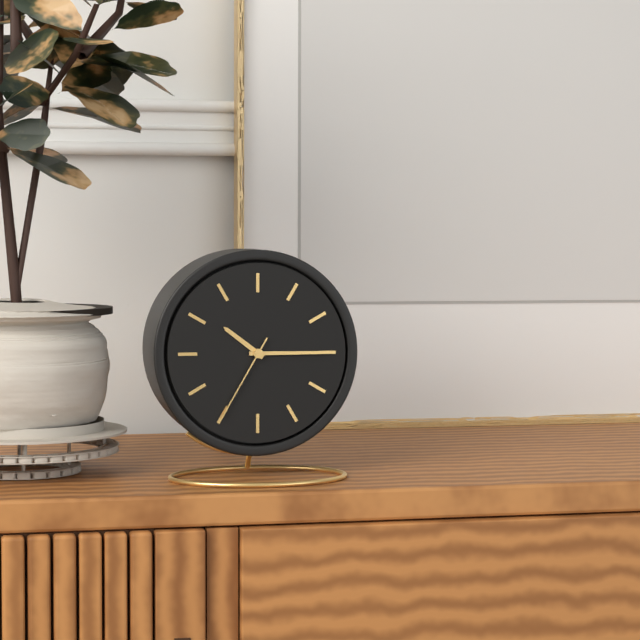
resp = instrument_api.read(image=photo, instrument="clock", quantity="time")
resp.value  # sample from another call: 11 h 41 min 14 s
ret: 10 h 15 min 35 s
